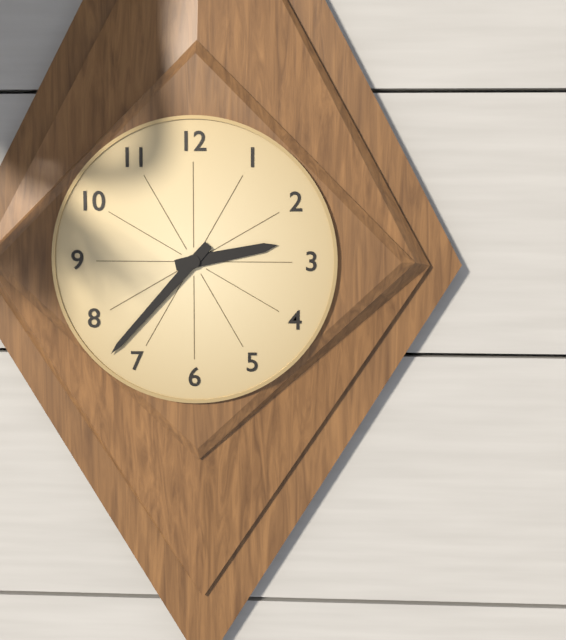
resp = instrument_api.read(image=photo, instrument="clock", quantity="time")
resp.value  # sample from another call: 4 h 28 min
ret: 2 h 37 min
